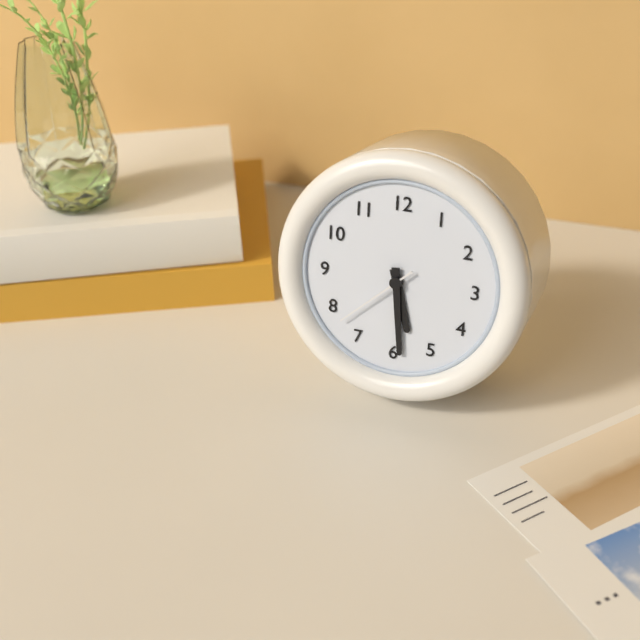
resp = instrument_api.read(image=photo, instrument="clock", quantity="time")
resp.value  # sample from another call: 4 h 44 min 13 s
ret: 5 h 29 min 38 s
